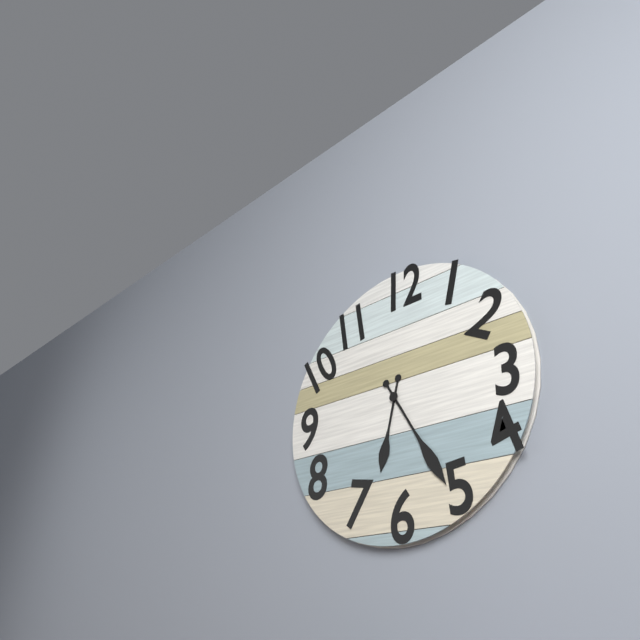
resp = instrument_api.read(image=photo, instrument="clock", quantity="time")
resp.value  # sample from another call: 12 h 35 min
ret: 6 h 25 min
